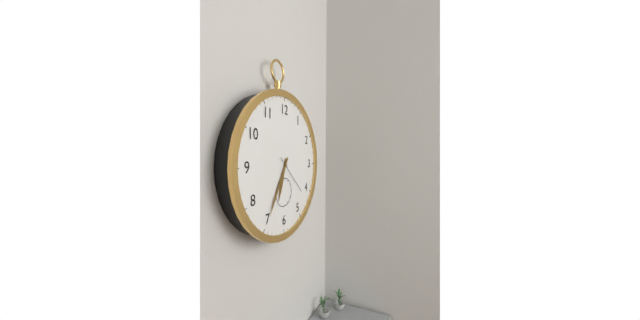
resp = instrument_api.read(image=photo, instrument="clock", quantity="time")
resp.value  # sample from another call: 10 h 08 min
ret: 6 h 35 min
